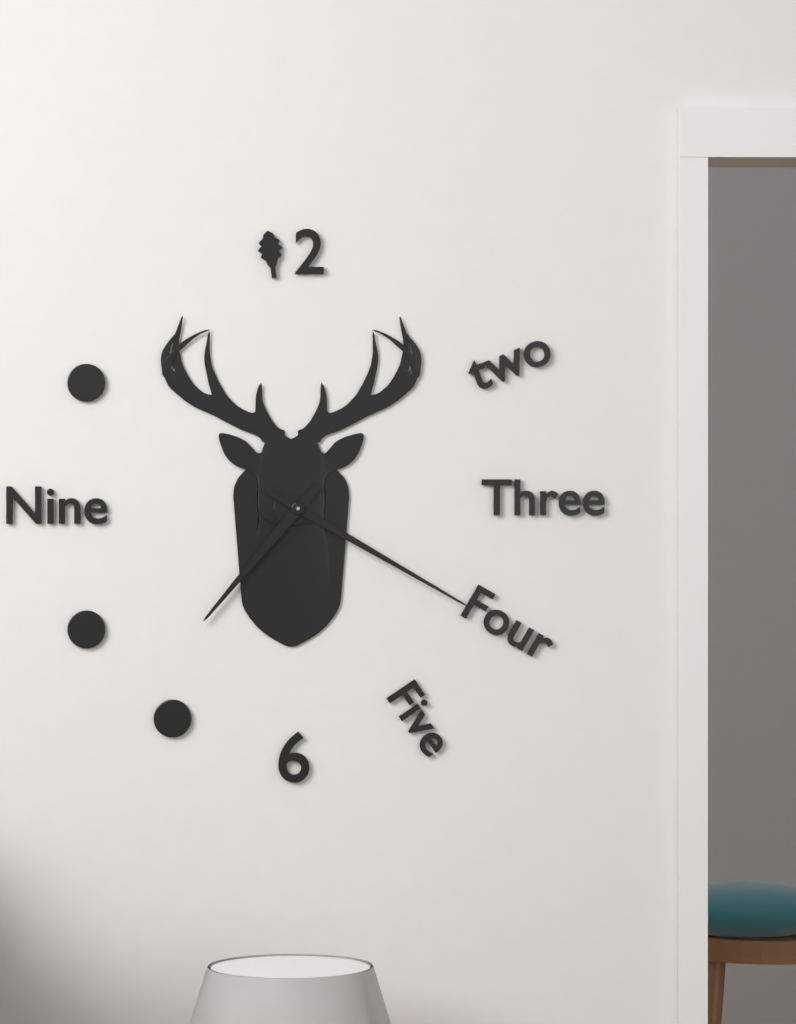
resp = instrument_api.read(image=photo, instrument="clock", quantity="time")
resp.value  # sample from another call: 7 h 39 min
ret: 7 h 20 min
